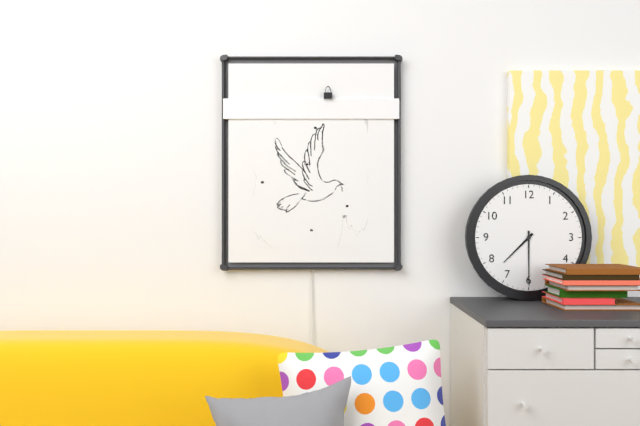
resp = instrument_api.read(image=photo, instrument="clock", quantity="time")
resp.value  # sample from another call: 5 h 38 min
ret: 7 h 30 min
